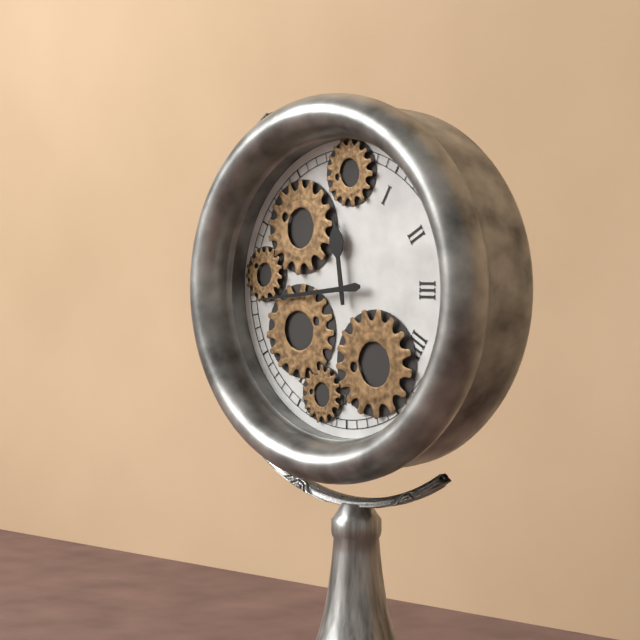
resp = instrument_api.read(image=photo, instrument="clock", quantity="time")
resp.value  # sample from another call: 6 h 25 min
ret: 11 h 44 min
